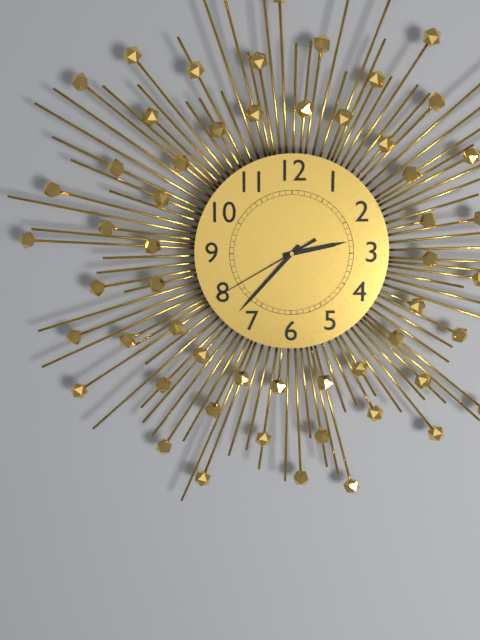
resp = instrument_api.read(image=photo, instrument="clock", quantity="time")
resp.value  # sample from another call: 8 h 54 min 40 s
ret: 2 h 37 min 40 s
